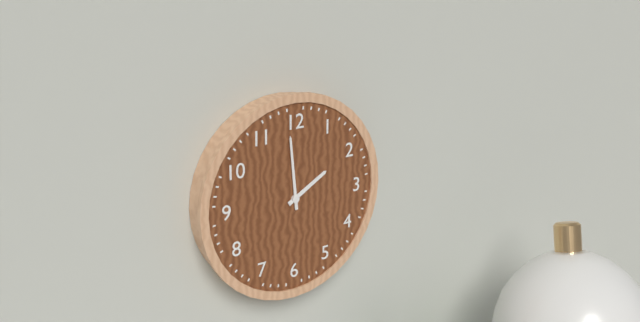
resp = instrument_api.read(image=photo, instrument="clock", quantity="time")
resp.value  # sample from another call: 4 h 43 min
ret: 1 h 59 min
